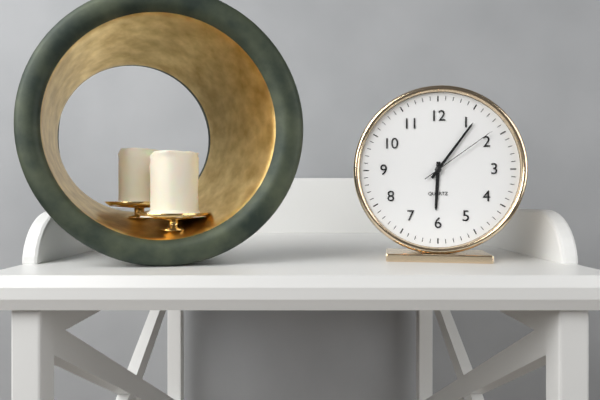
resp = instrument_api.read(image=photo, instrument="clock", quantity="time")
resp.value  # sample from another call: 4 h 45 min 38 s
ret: 6 h 06 min 09 s
